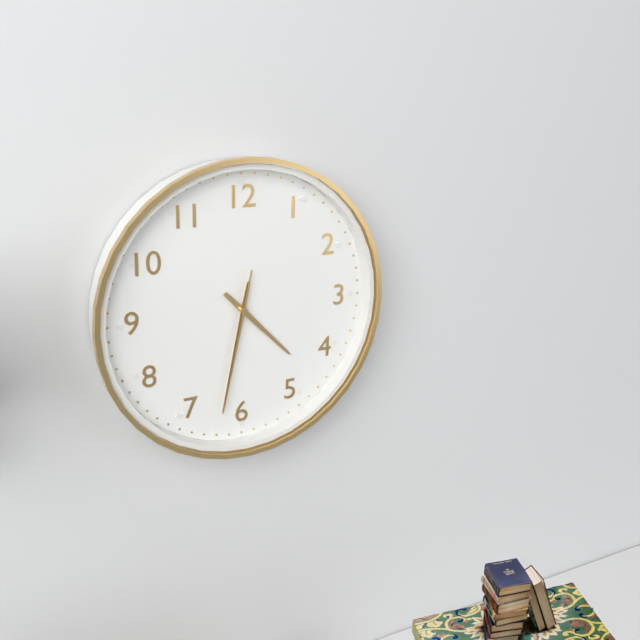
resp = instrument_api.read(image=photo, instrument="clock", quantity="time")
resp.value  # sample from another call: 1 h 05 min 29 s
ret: 4 h 32 min 32 s
